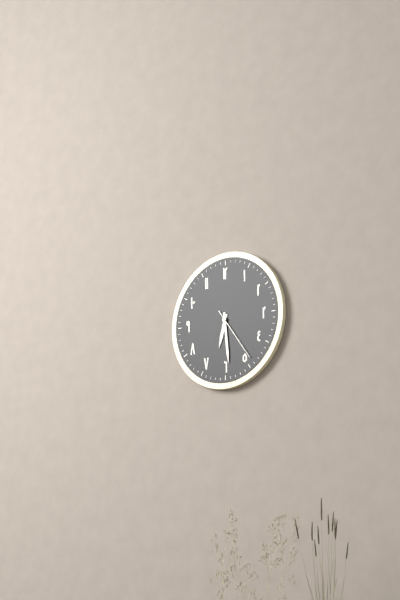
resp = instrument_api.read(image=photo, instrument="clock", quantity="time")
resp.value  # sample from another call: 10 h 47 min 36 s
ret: 6 h 29 min 24 s
